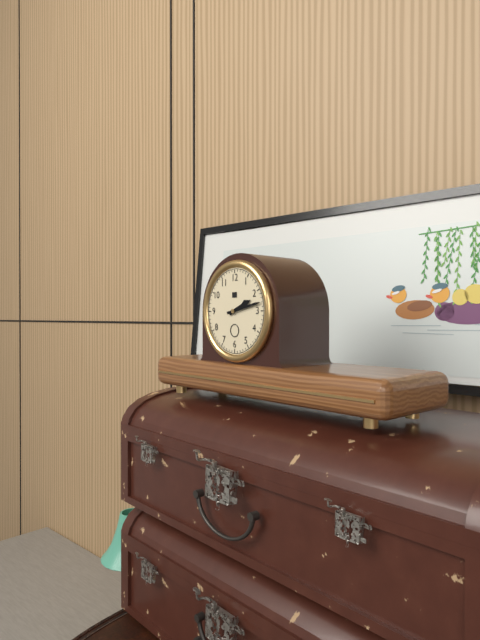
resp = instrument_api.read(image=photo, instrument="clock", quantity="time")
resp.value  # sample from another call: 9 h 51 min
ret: 2 h 13 min
